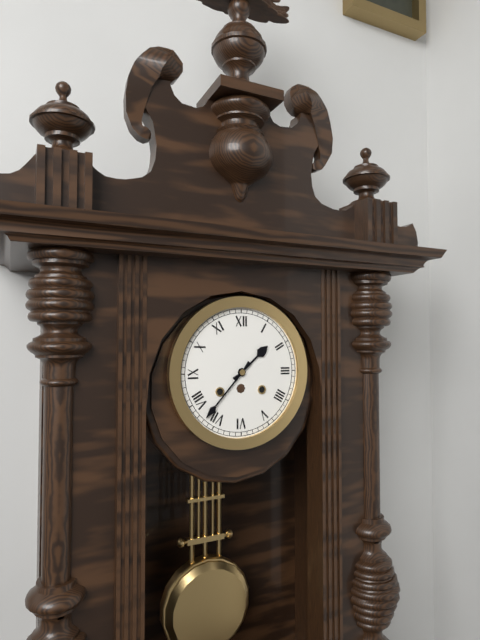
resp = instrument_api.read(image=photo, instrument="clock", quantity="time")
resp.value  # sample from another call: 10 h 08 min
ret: 1 h 37 min
